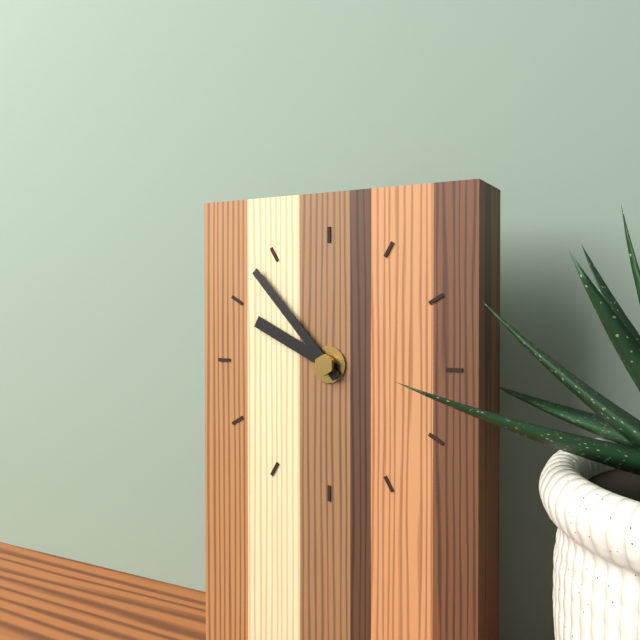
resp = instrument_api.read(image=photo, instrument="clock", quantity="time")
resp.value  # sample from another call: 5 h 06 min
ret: 9 h 53 min
